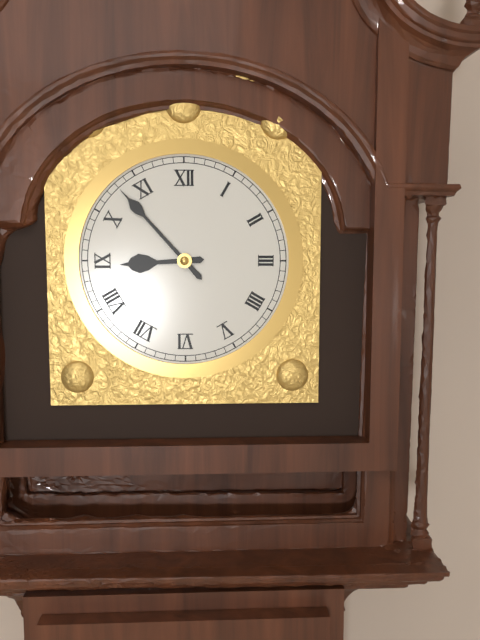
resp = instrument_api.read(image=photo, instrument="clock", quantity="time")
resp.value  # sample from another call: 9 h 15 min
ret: 8 h 53 min
